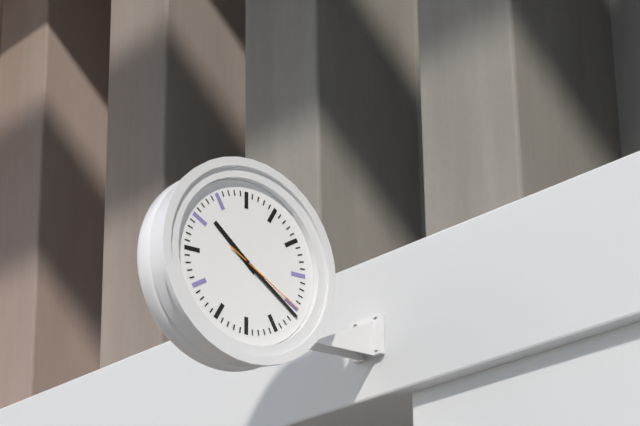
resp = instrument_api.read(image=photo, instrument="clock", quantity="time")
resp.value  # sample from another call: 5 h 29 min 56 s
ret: 10 h 21 min 20 s
